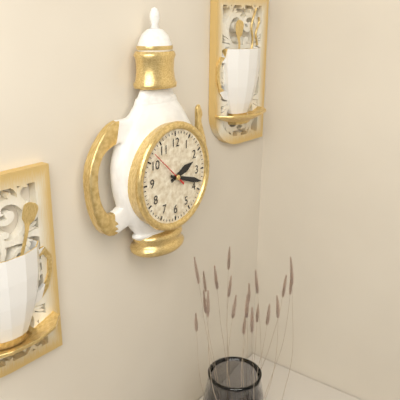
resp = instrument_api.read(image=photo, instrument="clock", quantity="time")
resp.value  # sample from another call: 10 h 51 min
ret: 2 h 18 min
